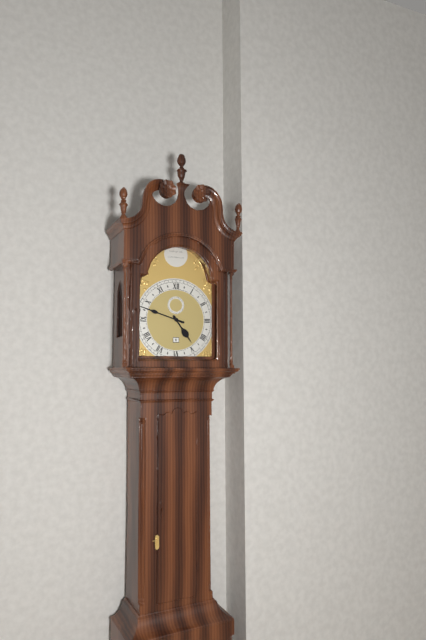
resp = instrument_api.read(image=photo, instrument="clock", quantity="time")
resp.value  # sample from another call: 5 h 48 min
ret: 4 h 48 min
